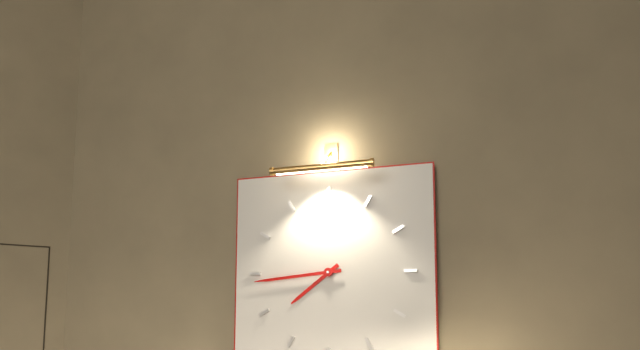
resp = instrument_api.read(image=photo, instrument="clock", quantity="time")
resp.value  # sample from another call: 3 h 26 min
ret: 7 h 44 min
